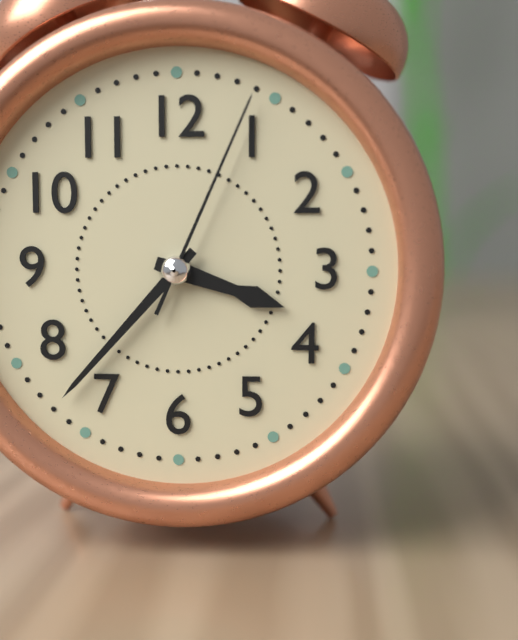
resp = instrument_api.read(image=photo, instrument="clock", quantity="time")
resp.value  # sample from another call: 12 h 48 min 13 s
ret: 3 h 37 min 04 s
